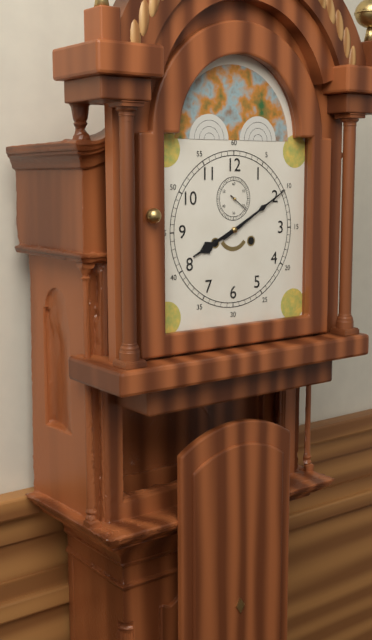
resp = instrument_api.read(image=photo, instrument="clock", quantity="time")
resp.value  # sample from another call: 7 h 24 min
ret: 8 h 10 min
